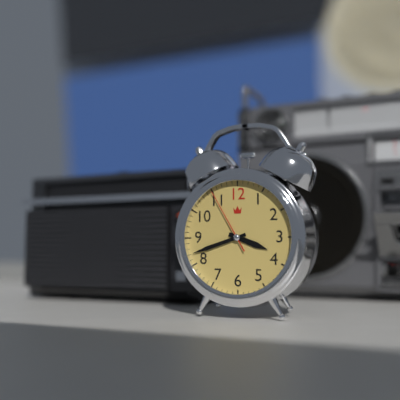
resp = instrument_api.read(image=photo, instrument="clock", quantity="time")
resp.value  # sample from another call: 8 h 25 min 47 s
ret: 3 h 42 min 55 s
